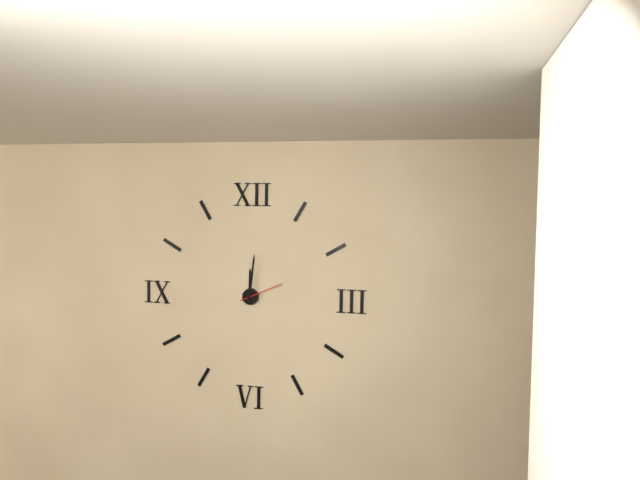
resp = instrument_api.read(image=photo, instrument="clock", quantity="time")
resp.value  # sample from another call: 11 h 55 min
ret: 12 h 01 min
